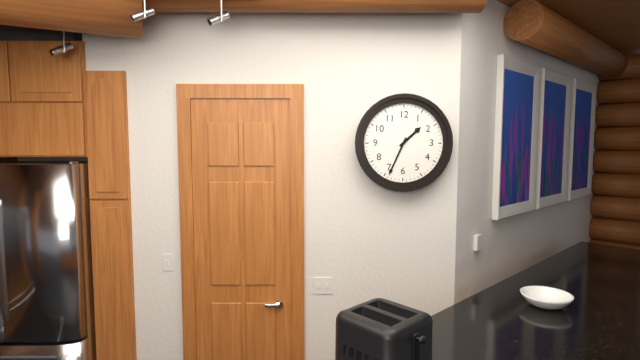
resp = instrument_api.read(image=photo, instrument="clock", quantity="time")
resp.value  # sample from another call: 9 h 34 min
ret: 1 h 34 min
